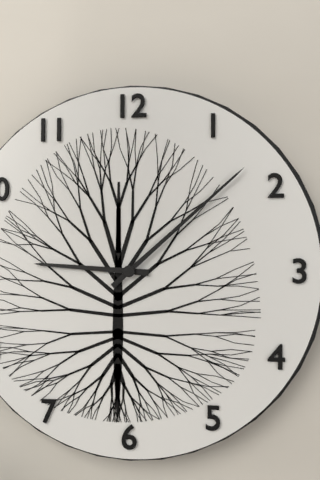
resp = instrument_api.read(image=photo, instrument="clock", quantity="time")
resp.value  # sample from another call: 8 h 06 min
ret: 9 h 08 min
